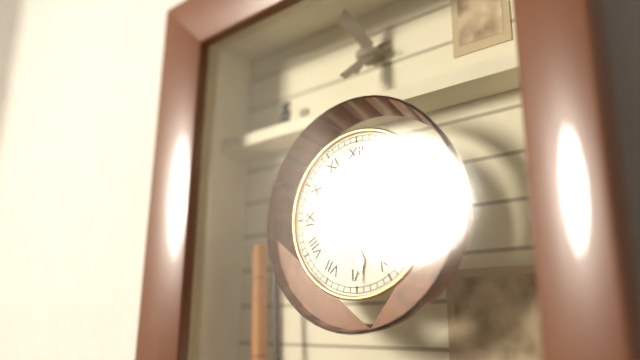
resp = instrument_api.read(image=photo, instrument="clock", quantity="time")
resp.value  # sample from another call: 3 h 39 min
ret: 5 h 29 min
